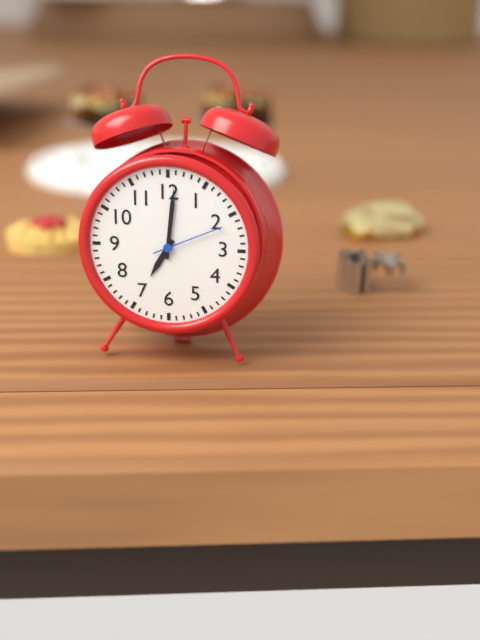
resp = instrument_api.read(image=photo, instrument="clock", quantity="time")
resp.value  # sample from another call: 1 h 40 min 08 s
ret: 7 h 01 min 11 s
